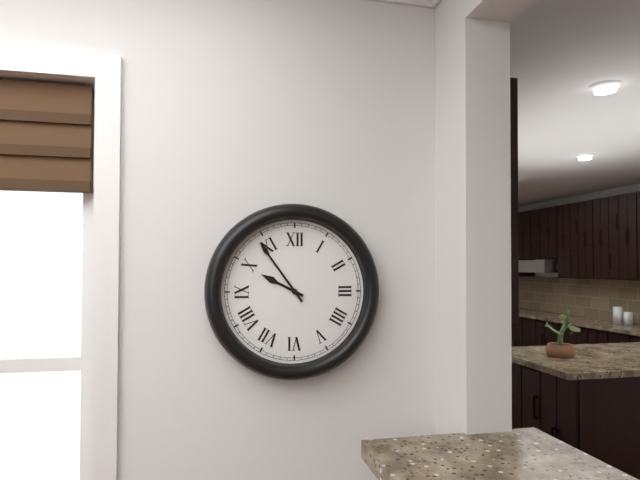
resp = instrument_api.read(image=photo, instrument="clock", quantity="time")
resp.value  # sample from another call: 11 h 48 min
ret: 9 h 54 min
